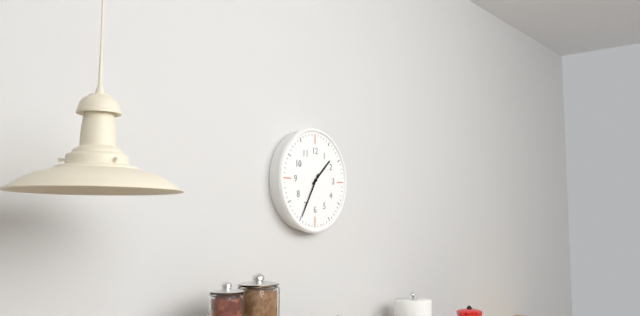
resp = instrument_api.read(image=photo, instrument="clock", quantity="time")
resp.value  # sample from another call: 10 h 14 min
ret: 1 h 35 min
